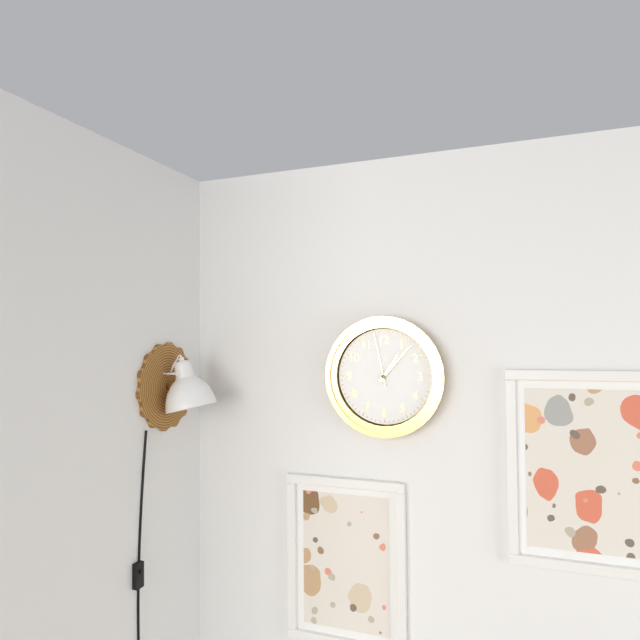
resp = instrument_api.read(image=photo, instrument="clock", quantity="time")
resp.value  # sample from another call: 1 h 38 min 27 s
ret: 1 h 07 min 58 s
